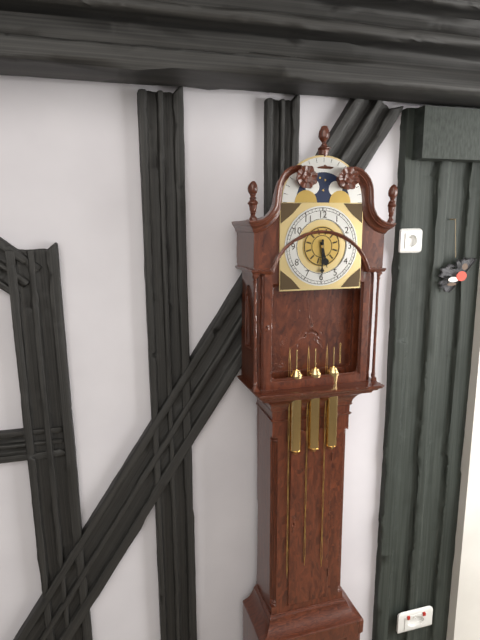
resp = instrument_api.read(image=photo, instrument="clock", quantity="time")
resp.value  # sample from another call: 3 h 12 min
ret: 5 h 30 min
